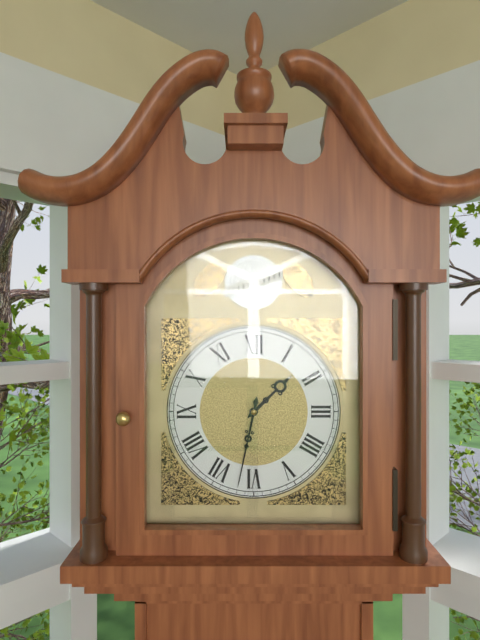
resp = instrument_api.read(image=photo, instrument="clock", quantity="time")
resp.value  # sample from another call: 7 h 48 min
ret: 1 h 32 min
